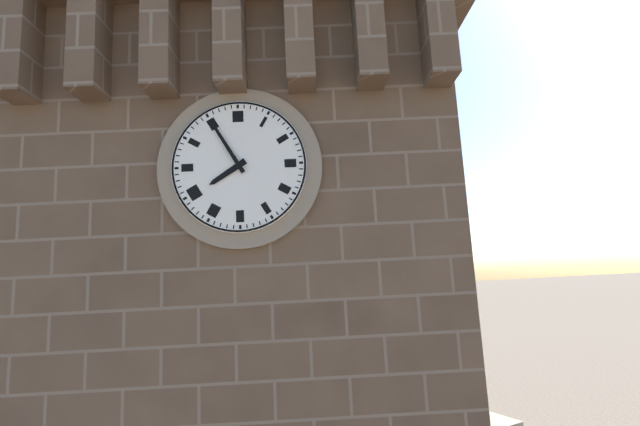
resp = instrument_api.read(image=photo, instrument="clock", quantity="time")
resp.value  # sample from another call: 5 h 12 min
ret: 7 h 55 min
